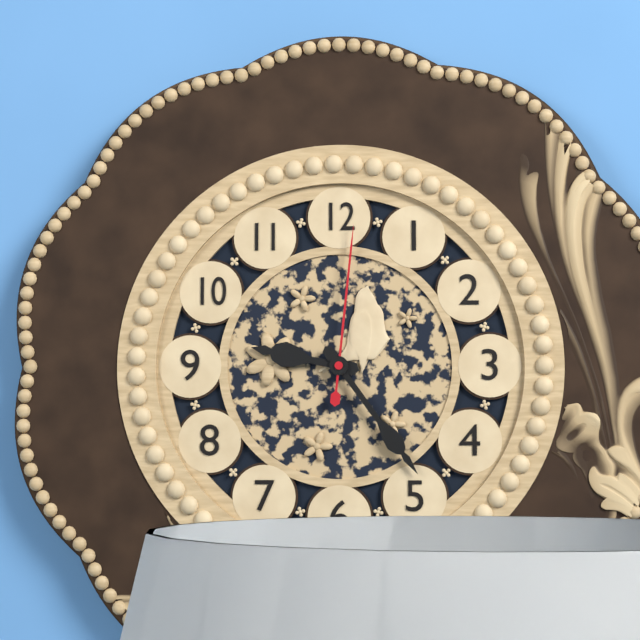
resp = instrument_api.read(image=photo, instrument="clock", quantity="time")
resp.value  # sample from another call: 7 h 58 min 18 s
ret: 9 h 24 min 01 s
